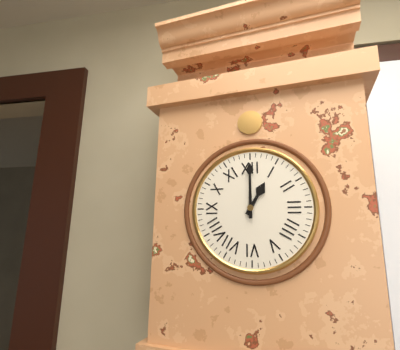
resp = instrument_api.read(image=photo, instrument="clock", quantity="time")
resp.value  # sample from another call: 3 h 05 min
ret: 1 h 00 min
